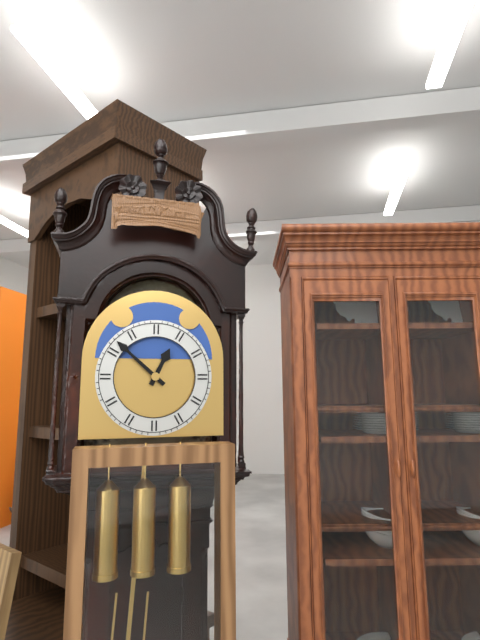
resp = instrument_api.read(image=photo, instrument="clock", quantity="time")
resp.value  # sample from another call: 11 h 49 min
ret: 12 h 52 min
